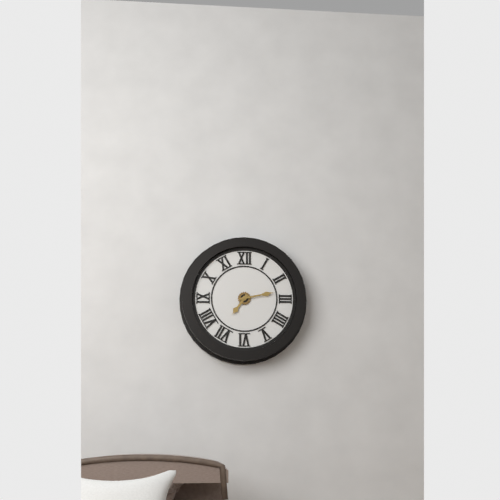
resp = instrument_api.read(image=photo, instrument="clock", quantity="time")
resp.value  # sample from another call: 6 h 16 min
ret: 7 h 13 min
